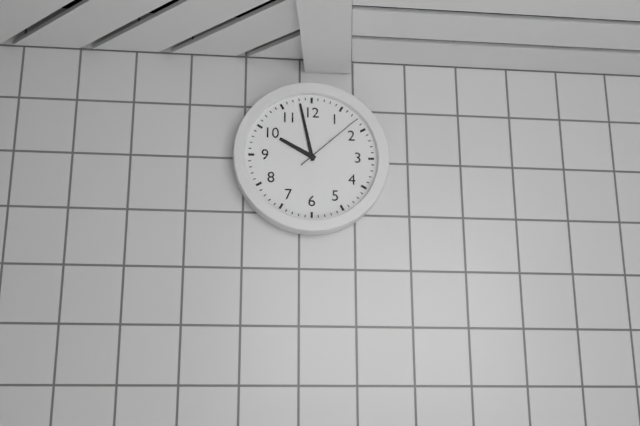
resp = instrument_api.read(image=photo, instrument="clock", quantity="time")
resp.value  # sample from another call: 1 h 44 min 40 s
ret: 9 h 58 min 08 s
